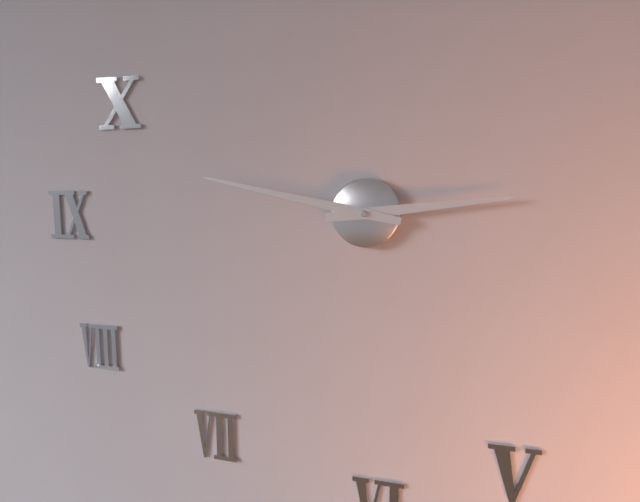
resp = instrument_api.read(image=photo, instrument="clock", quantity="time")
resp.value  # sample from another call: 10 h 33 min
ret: 2 h 47 min
